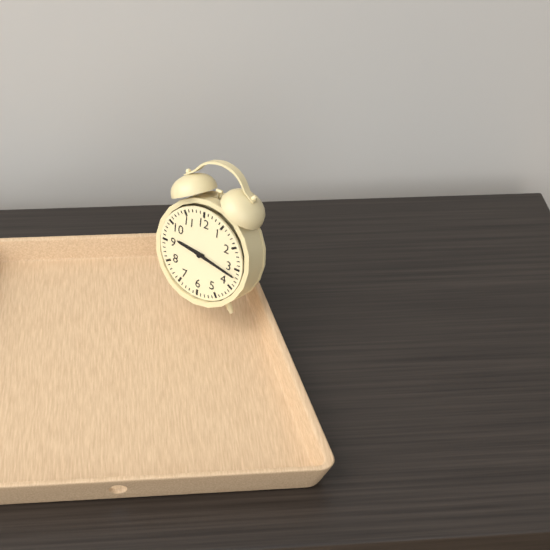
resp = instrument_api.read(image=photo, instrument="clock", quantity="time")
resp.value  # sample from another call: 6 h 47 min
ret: 9 h 17 min
